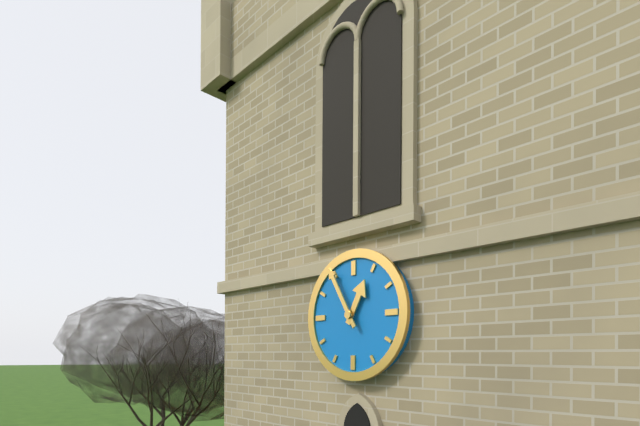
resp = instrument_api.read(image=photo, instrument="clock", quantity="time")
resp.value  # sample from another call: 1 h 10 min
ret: 12 h 55 min
